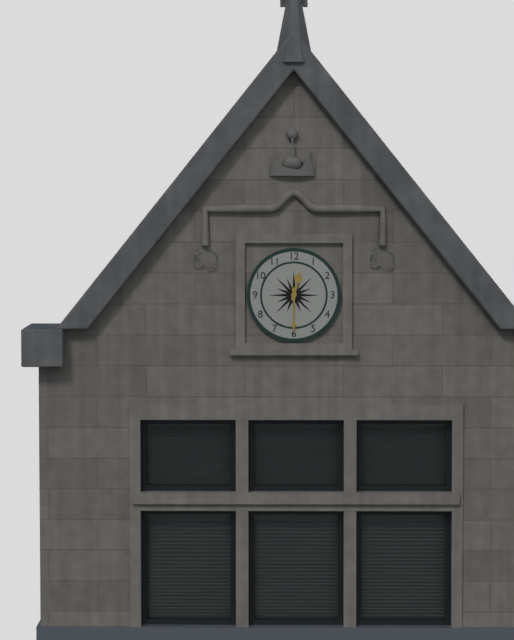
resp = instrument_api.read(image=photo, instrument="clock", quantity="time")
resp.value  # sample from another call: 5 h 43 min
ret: 12 h 30 min
